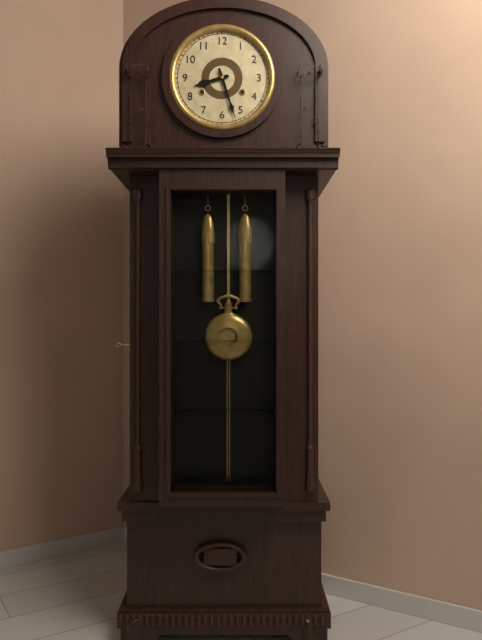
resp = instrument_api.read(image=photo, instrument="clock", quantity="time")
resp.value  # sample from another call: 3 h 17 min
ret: 8 h 27 min
